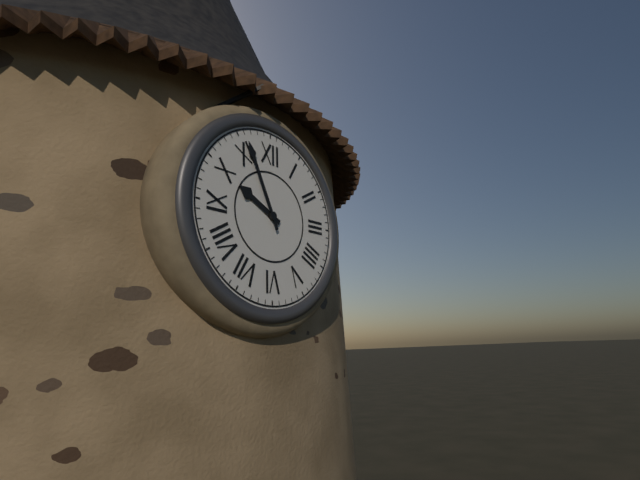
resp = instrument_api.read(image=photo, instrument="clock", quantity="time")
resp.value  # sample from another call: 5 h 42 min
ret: 9 h 56 min
